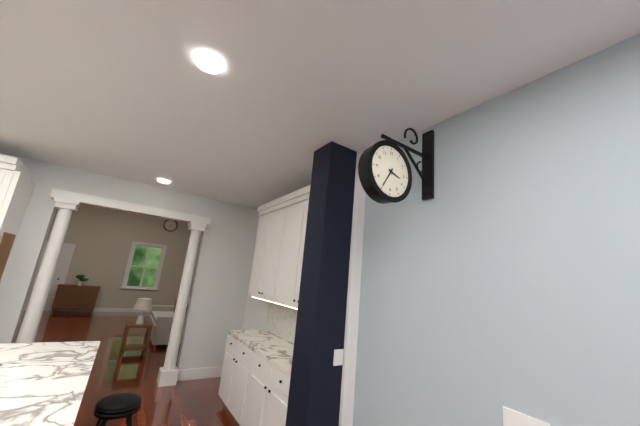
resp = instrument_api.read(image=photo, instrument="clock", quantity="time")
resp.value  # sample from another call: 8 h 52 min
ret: 3 h 35 min
